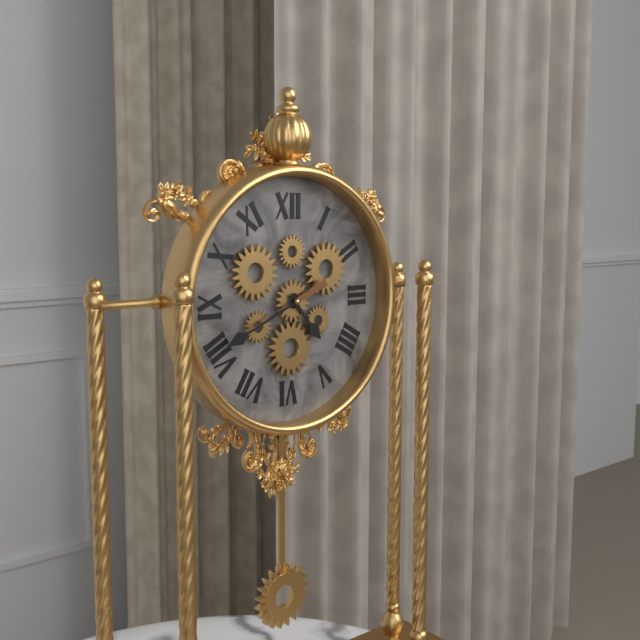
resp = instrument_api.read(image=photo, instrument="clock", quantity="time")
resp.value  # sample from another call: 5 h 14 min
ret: 4 h 41 min
